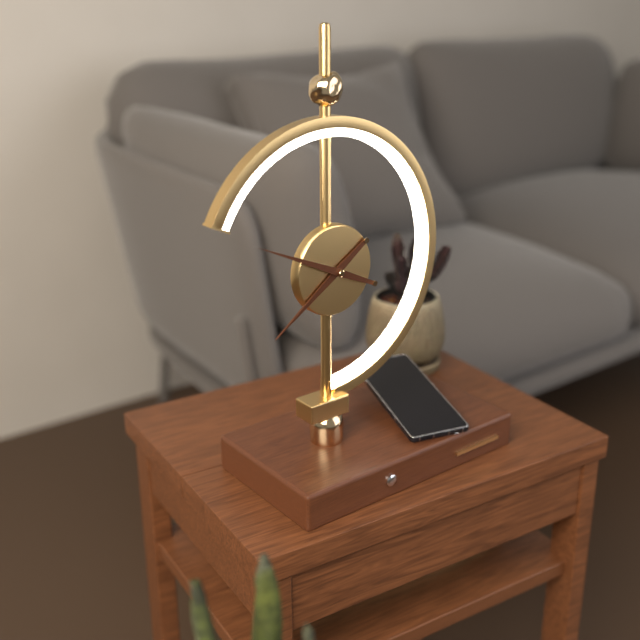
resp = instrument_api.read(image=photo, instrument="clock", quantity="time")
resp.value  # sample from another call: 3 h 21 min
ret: 7 h 49 min
